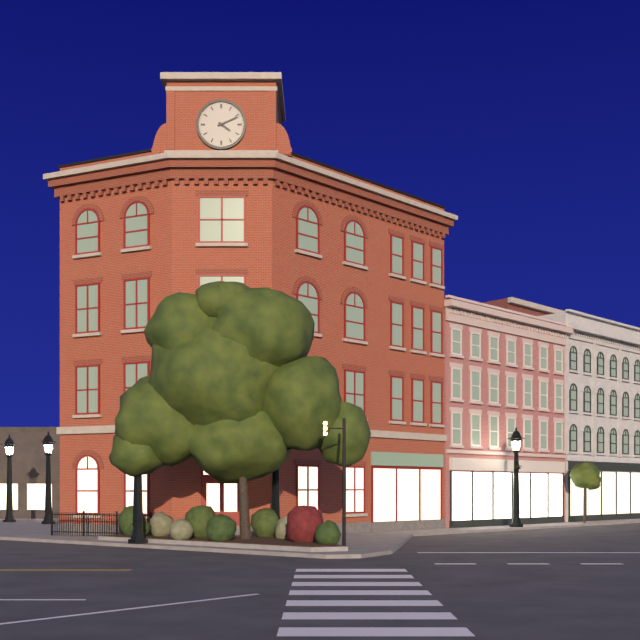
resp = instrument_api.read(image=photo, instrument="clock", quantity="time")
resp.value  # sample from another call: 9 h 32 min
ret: 4 h 11 min
